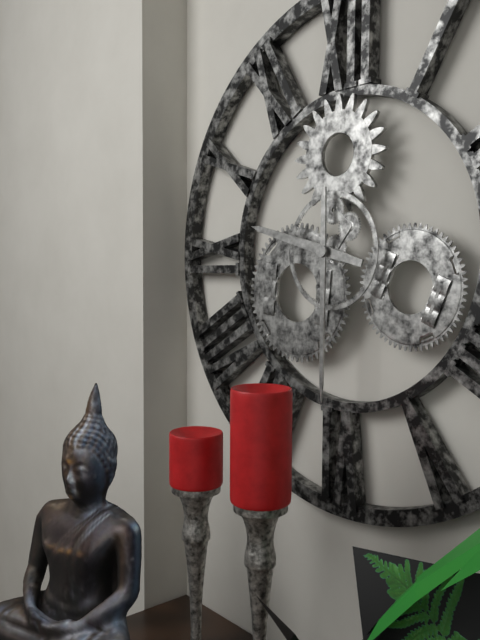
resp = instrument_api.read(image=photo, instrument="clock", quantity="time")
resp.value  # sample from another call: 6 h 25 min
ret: 9 h 30 min
